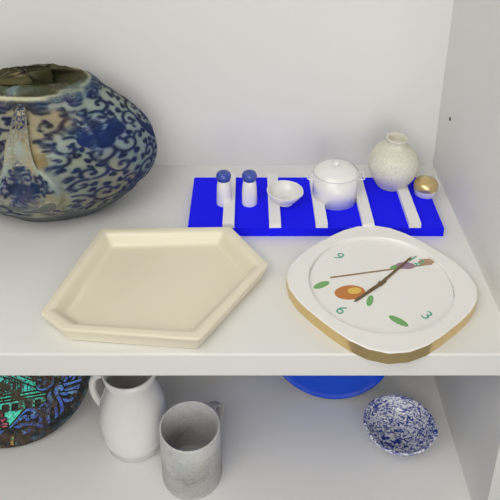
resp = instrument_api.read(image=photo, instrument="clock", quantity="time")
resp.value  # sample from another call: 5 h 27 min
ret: 5 h 59 min
